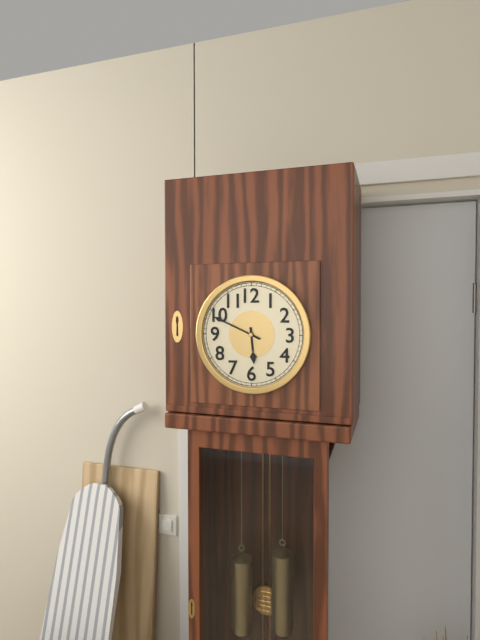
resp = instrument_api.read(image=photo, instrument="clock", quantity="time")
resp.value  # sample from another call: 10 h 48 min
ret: 5 h 49 min
